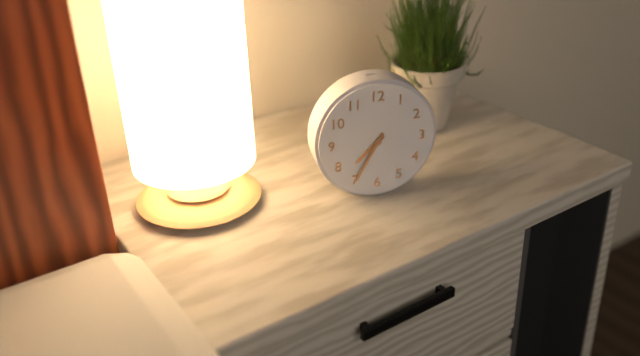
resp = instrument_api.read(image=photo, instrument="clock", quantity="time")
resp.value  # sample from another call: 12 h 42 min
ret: 7 h 35 min
